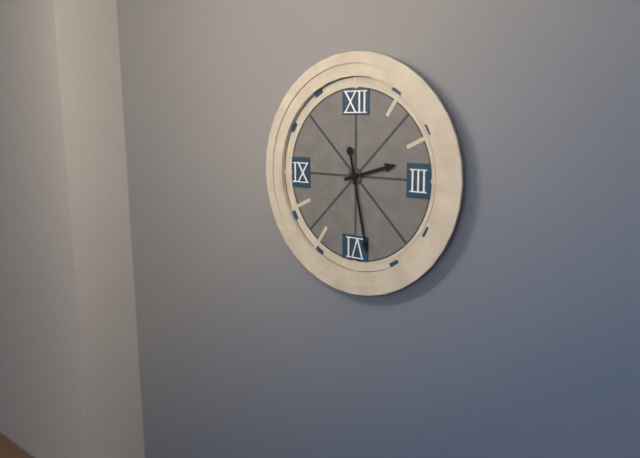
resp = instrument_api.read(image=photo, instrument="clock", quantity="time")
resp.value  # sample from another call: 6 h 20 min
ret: 2 h 28 min
